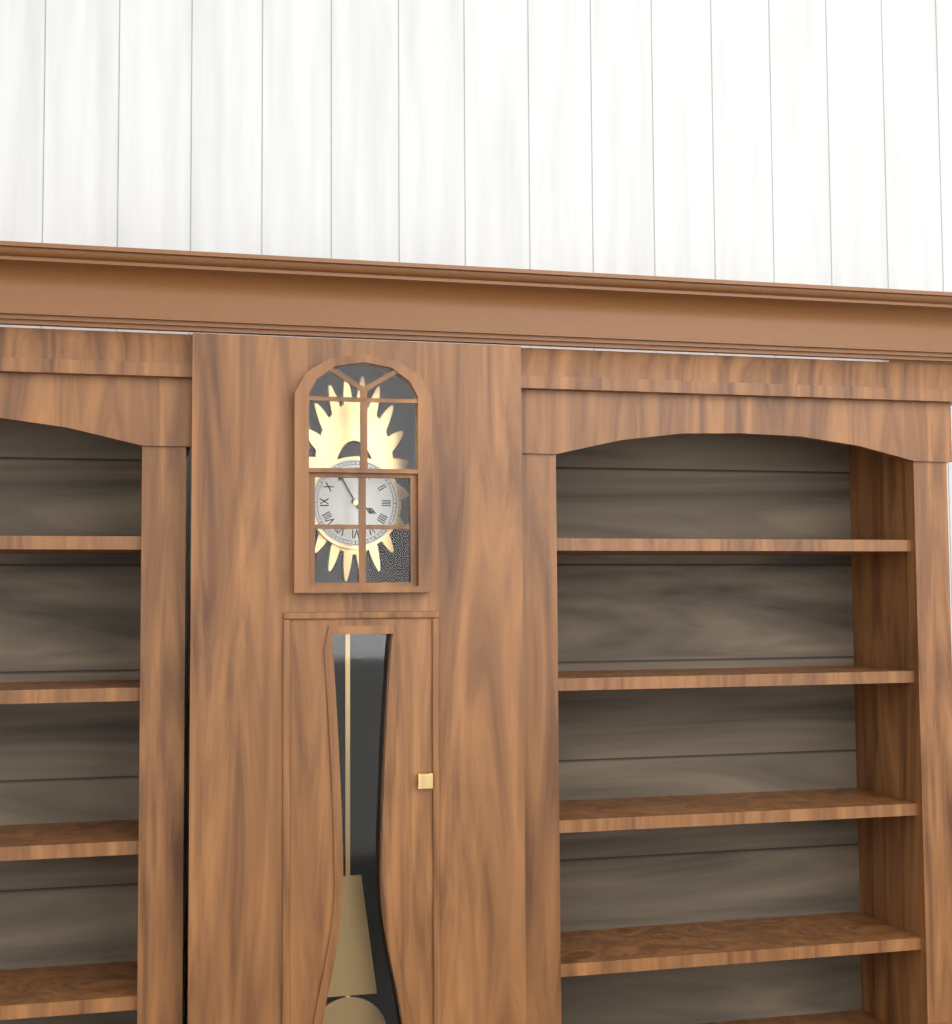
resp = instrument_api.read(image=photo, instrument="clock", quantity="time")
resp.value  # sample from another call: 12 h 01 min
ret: 3 h 55 min
